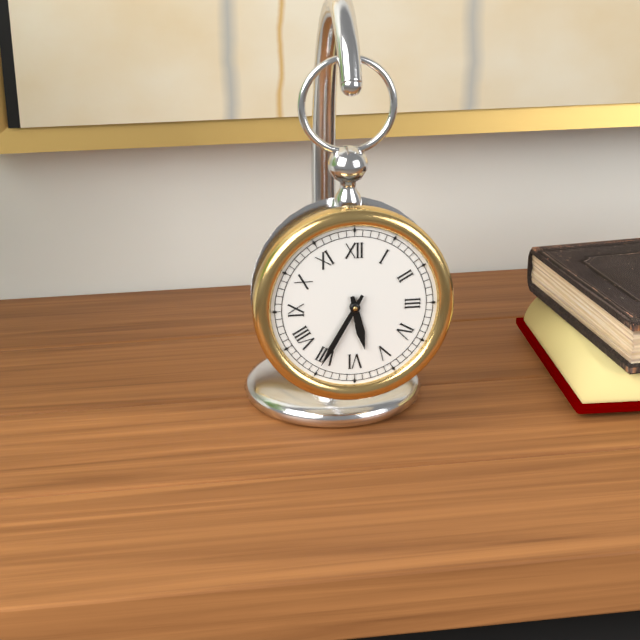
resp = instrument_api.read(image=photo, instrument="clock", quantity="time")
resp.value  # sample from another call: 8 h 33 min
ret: 5 h 35 min
